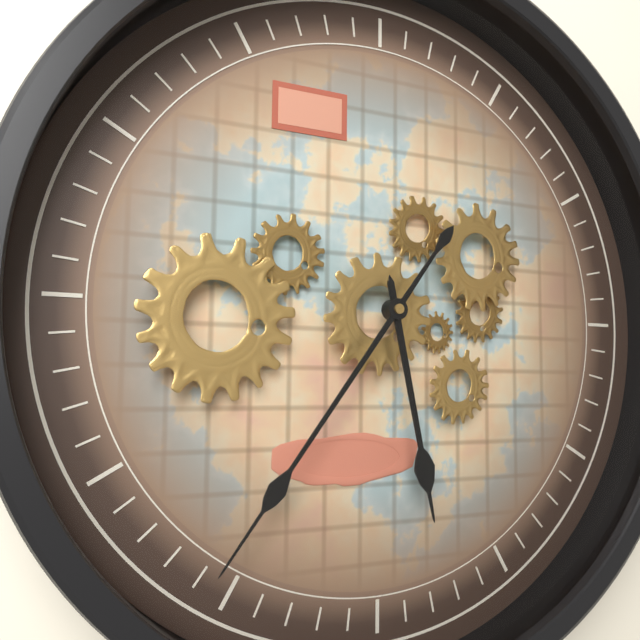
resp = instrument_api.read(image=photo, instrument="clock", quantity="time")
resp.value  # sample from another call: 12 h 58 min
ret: 5 h 36 min
